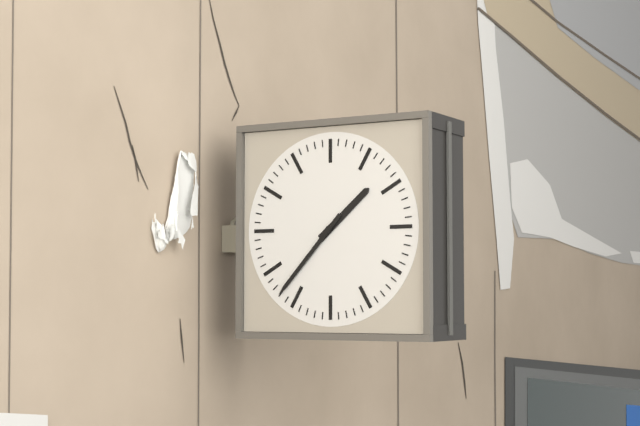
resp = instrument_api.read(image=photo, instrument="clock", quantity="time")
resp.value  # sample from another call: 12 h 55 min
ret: 1 h 37 min
